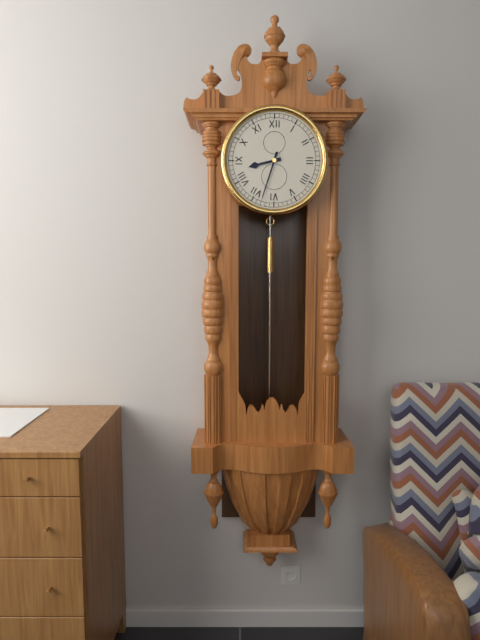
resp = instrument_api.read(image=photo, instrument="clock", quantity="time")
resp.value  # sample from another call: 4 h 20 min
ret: 8 h 33 min
